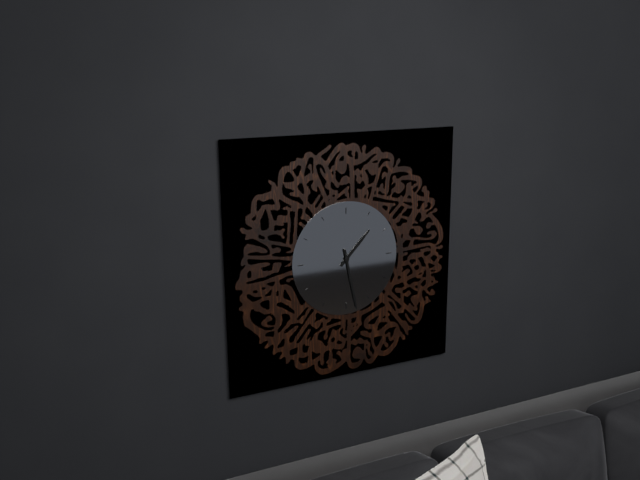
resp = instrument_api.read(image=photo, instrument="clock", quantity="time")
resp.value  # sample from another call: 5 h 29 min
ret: 1 h 28 min
